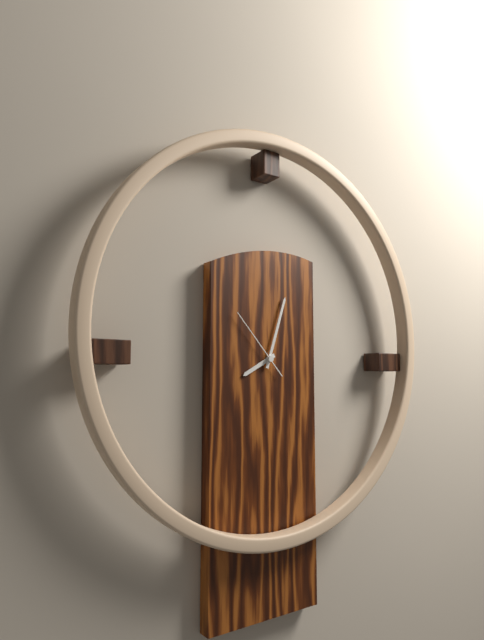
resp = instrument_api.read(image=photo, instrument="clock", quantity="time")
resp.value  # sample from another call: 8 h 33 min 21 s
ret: 8 h 03 min 53 s
